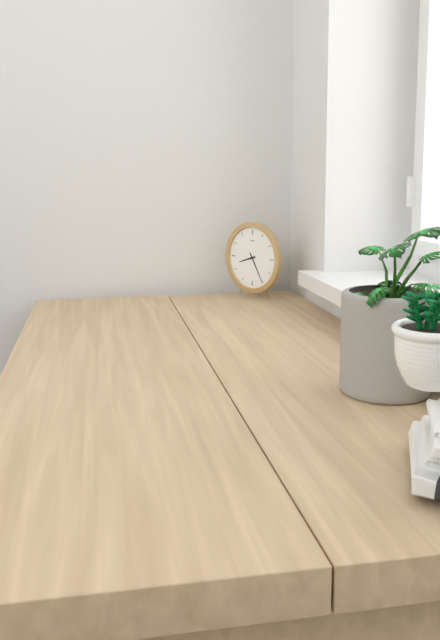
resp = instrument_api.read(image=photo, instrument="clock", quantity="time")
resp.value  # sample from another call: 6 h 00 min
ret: 8 h 25 min
